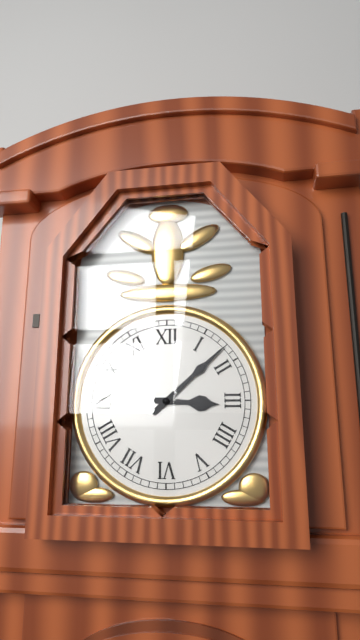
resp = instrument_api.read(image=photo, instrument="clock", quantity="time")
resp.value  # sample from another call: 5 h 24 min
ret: 3 h 08 min
